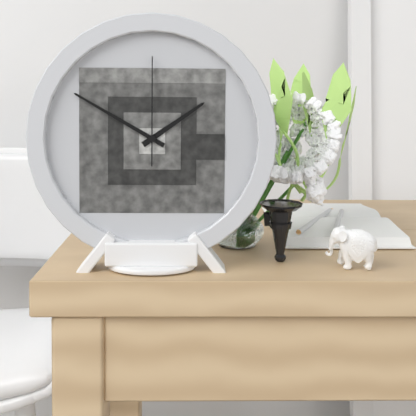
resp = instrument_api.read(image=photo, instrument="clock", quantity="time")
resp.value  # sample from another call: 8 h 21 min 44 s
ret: 1 h 50 min 00 s
